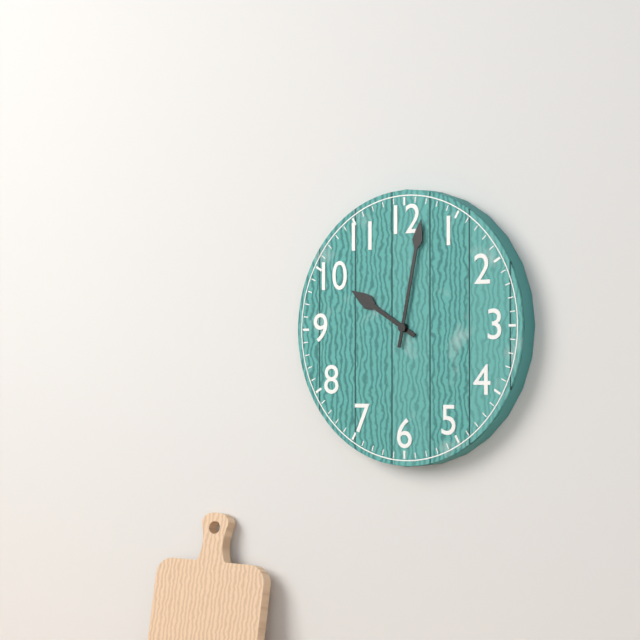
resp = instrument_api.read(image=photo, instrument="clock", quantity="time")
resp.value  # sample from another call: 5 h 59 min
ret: 10 h 02 min
